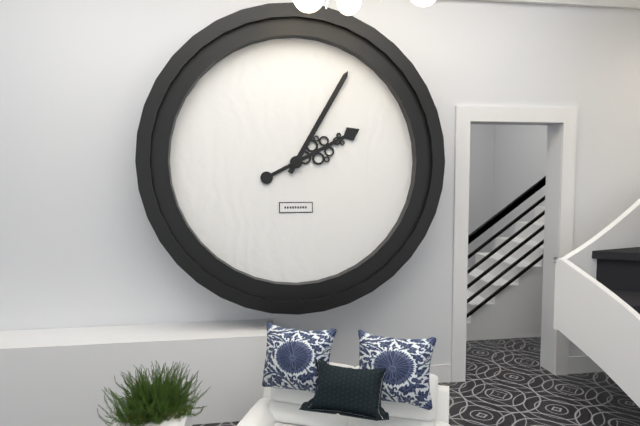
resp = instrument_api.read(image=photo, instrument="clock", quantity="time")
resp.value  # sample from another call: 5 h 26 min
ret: 2 h 05 min
